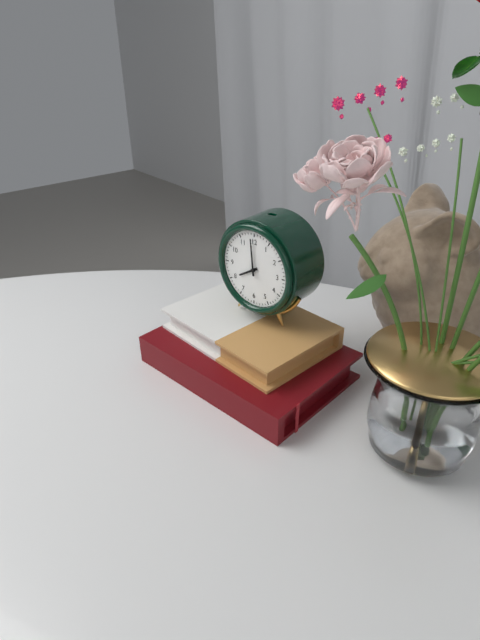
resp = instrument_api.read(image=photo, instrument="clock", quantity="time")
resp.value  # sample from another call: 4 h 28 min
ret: 7 h 59 min
